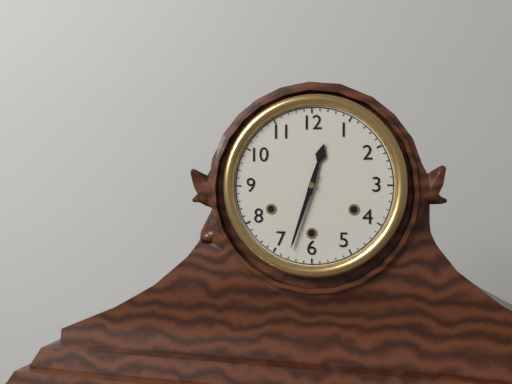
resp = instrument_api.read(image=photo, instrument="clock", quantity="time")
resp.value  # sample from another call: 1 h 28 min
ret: 12 h 33 min
